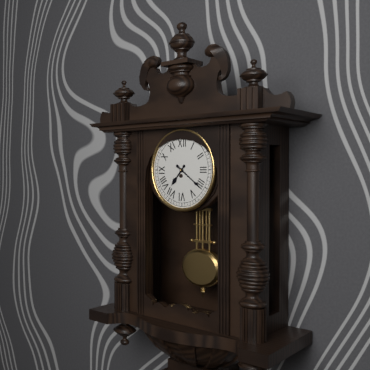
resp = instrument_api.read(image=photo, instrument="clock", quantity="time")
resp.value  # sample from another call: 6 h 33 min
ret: 7 h 21 min
